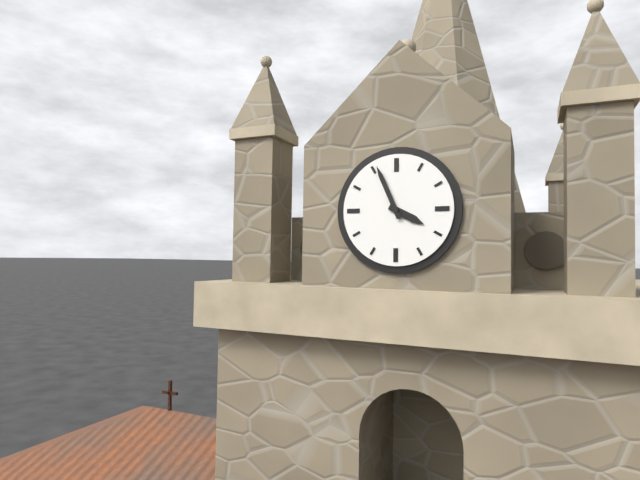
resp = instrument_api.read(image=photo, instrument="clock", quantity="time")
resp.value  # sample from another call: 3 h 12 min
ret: 3 h 56 min
